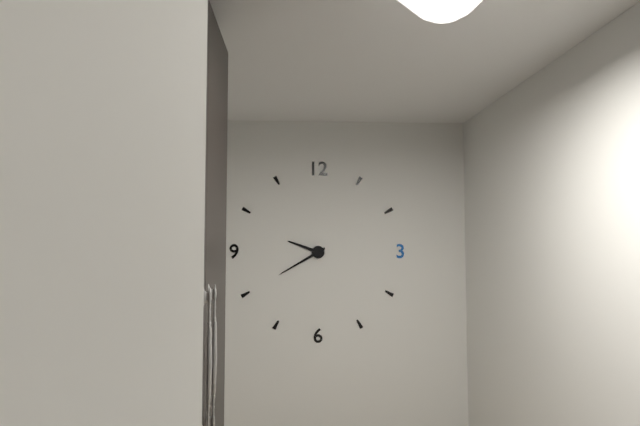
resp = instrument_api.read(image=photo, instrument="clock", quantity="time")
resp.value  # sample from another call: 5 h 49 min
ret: 9 h 40 min
